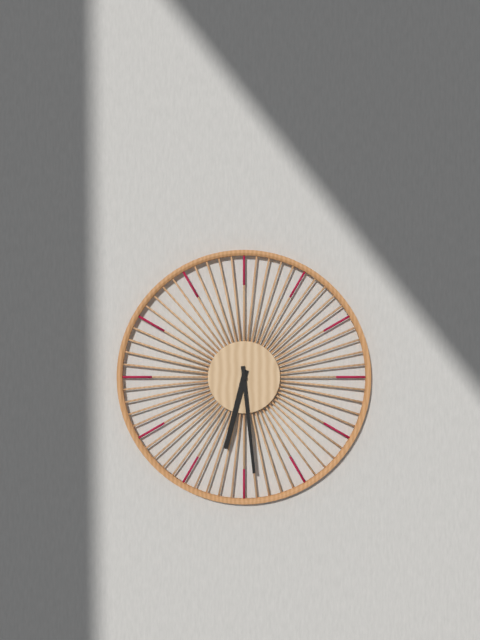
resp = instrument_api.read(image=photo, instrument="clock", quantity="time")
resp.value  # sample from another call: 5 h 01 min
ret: 6 h 29 min
